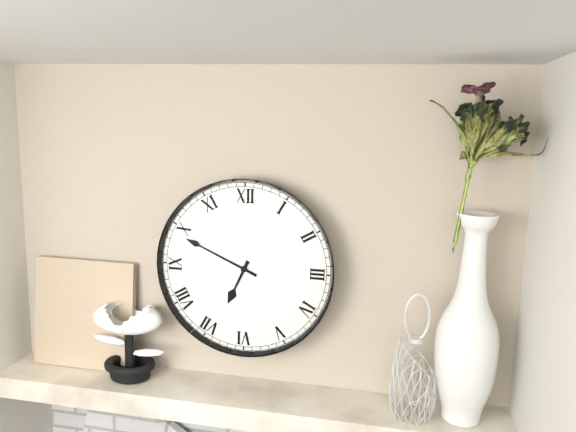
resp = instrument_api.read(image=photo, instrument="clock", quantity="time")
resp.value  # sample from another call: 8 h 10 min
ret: 6 h 49 min
